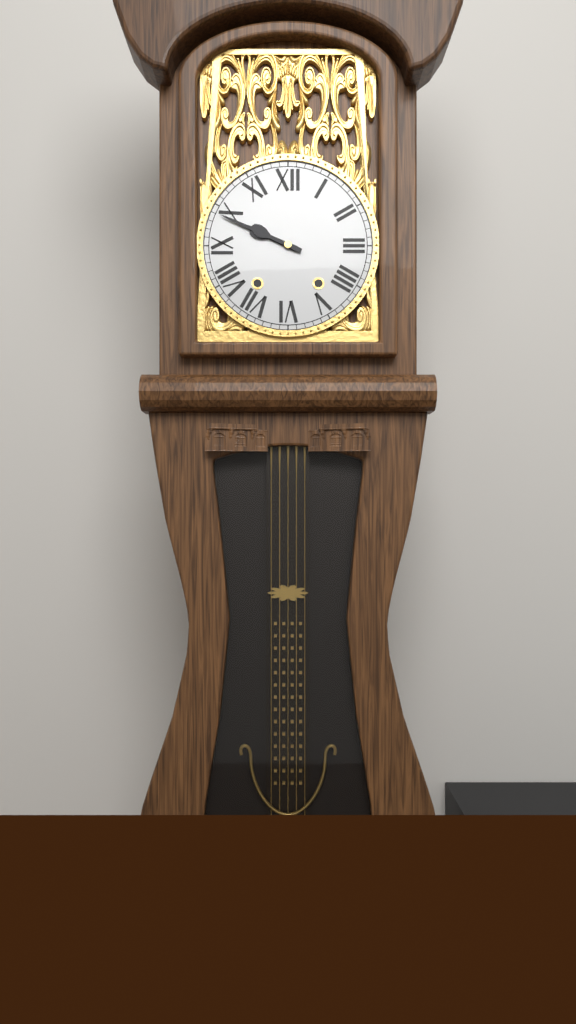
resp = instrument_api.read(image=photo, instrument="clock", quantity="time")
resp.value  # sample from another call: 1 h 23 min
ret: 9 h 49 min
